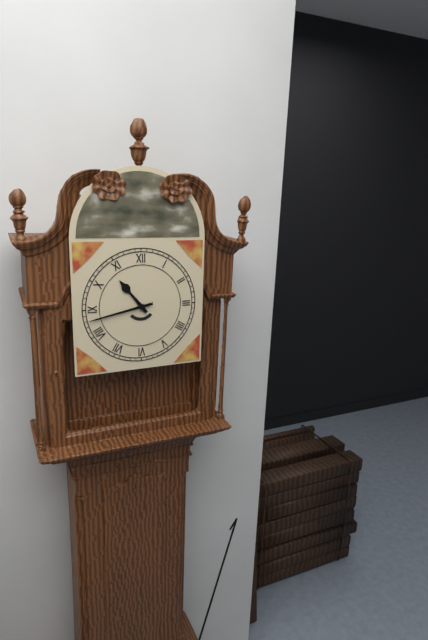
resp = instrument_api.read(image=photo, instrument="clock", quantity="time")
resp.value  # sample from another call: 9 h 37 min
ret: 10 h 43 min
